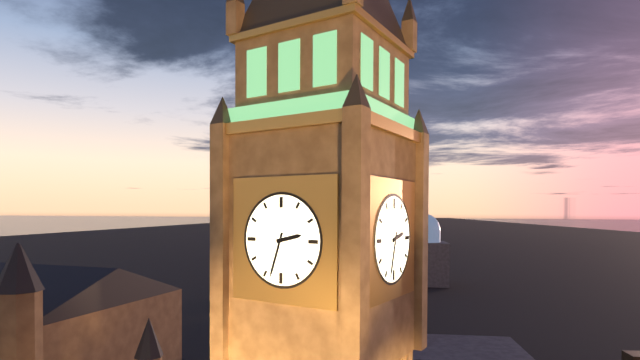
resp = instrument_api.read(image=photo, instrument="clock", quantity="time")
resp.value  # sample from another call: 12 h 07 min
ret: 2 h 33 min
